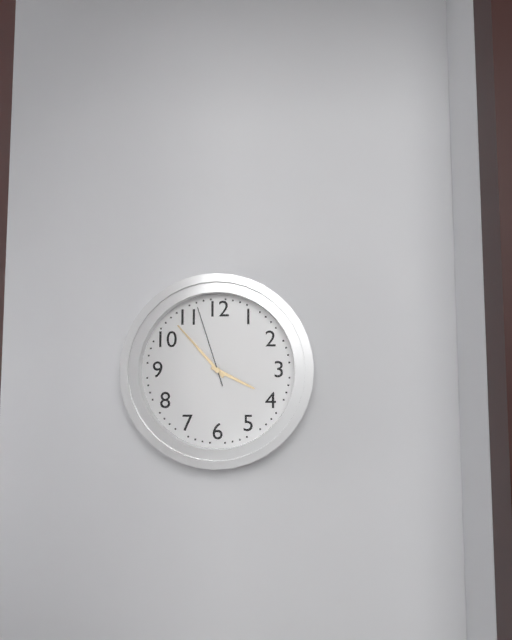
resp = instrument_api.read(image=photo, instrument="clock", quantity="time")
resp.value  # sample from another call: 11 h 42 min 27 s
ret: 3 h 53 min 57 s
